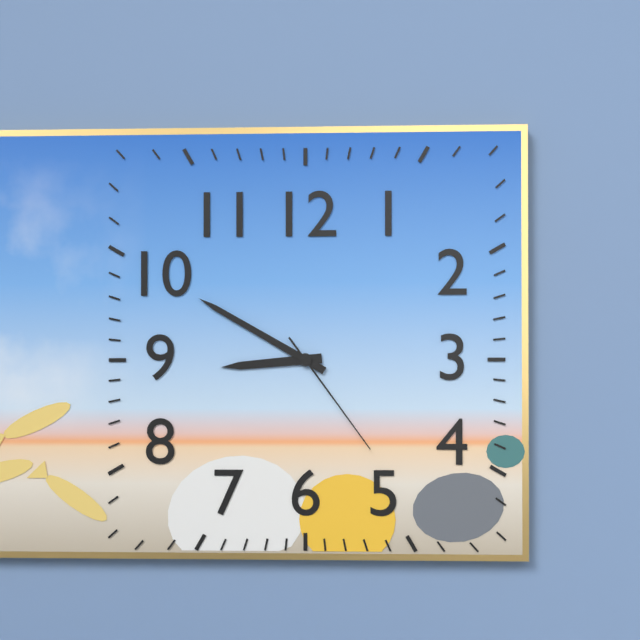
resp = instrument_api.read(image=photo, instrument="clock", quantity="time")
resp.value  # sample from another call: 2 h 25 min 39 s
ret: 8 h 50 min 24 s
